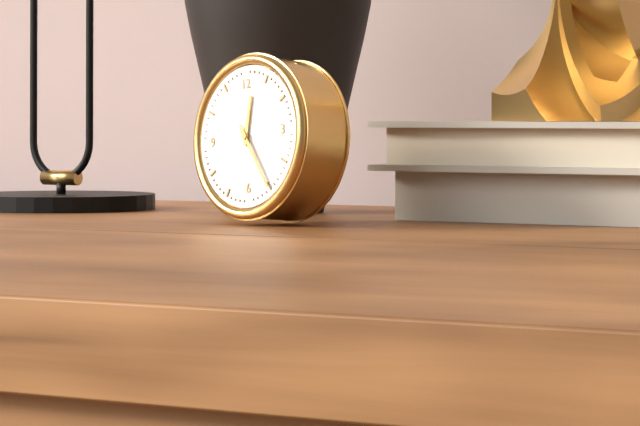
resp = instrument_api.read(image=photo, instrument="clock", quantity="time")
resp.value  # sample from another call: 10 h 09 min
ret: 12 h 25 min
